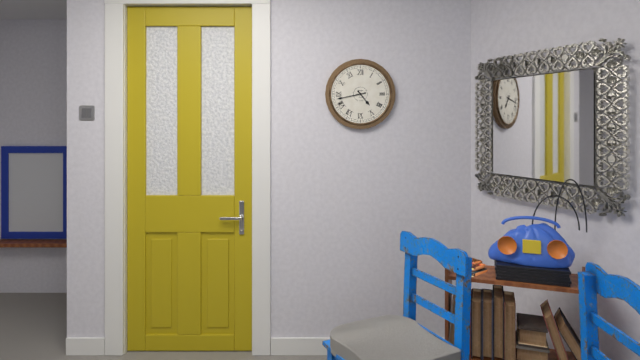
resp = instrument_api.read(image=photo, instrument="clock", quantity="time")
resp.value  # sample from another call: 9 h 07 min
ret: 4 h 43 min
